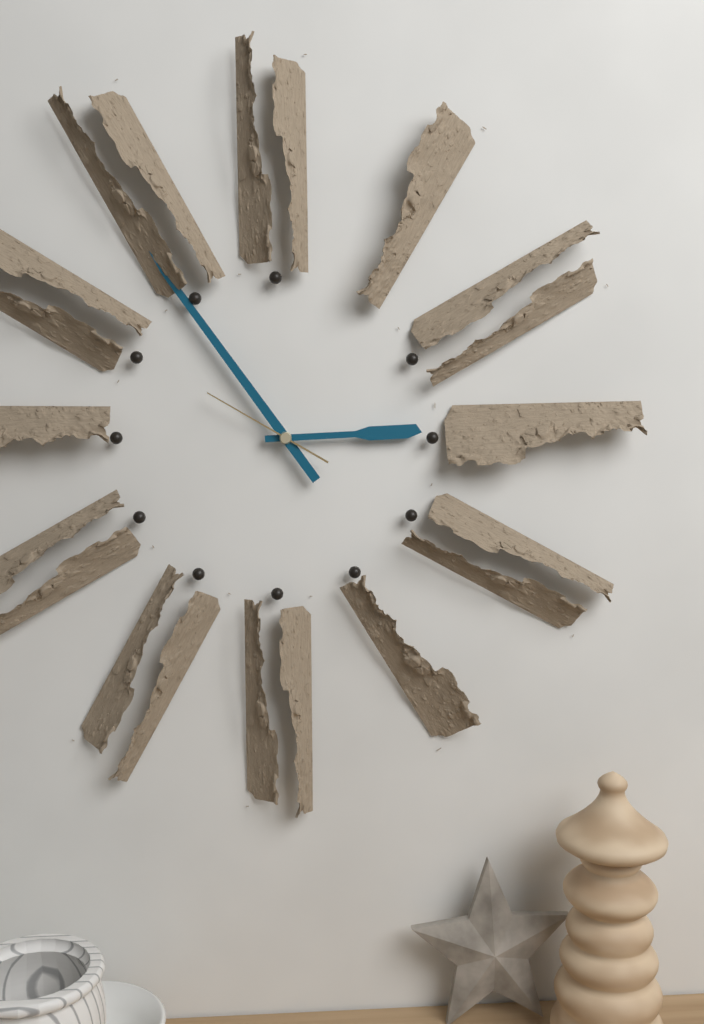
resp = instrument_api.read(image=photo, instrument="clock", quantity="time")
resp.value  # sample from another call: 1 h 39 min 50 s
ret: 2 h 54 min 50 s
